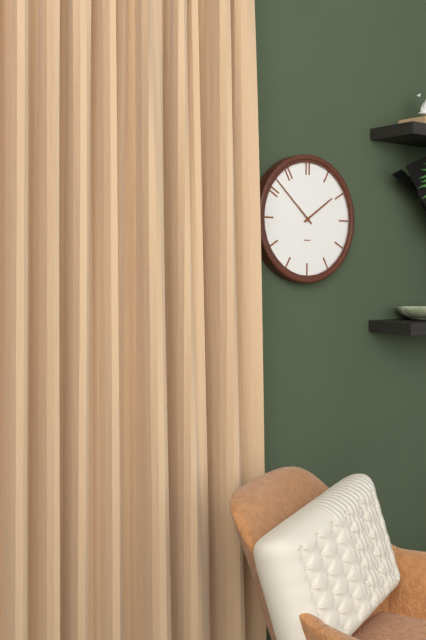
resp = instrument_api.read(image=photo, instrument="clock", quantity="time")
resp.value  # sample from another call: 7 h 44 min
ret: 1 h 52 min
